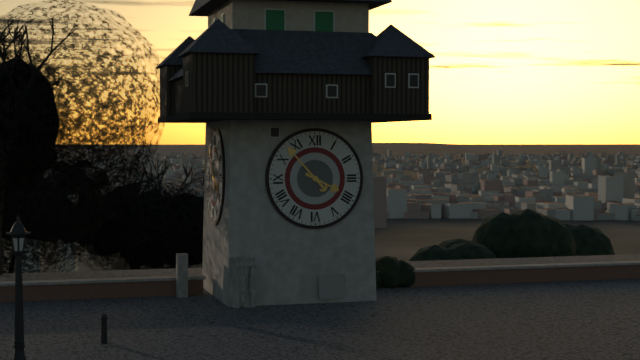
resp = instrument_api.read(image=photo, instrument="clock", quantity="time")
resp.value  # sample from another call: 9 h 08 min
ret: 3 h 53 min
